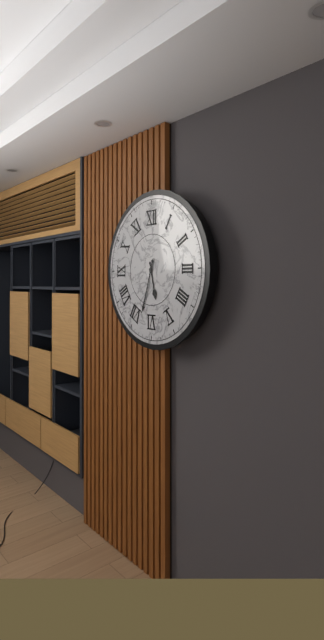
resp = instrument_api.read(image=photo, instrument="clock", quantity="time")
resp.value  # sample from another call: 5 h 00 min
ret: 5 h 33 min
